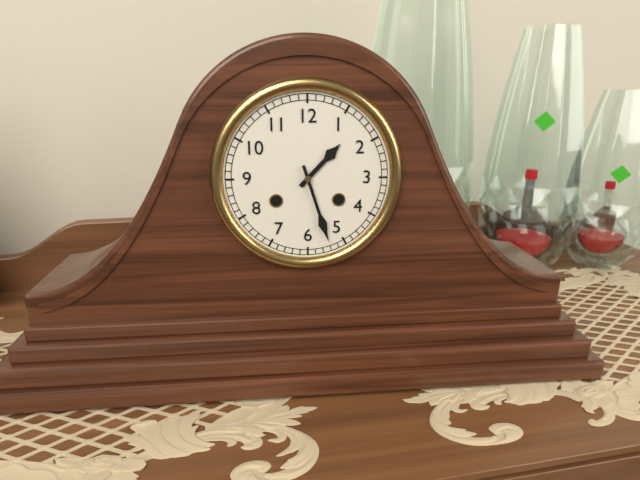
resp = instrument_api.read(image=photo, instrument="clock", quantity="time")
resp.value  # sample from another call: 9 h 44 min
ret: 1 h 27 min
